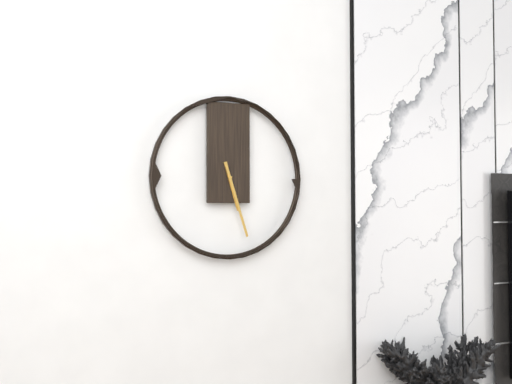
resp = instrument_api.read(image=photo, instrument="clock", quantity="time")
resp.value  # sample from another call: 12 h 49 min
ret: 5 h 27 min
